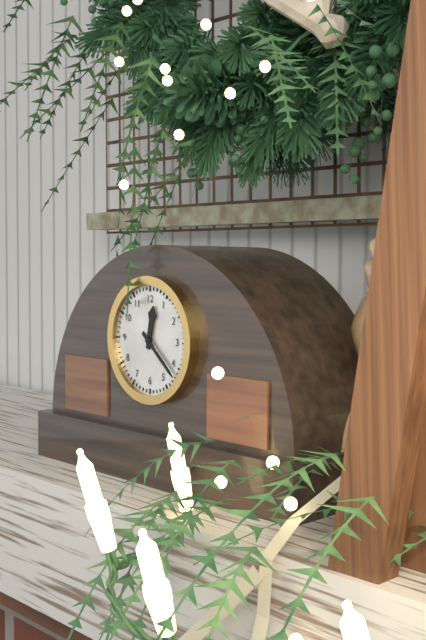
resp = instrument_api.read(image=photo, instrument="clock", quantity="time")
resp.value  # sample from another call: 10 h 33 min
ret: 12 h 22 min
